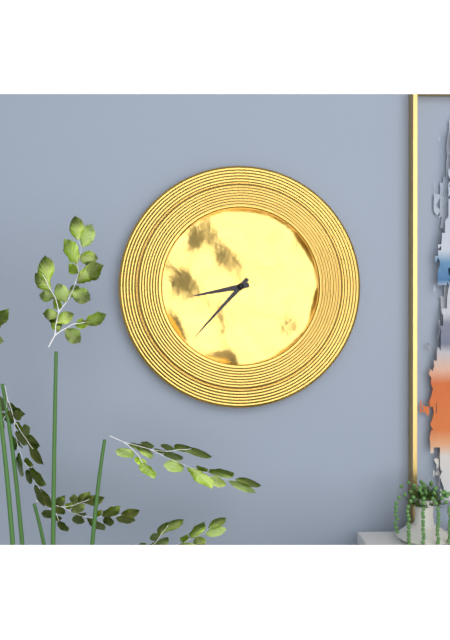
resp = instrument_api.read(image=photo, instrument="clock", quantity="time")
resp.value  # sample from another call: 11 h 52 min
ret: 8 h 37 min
